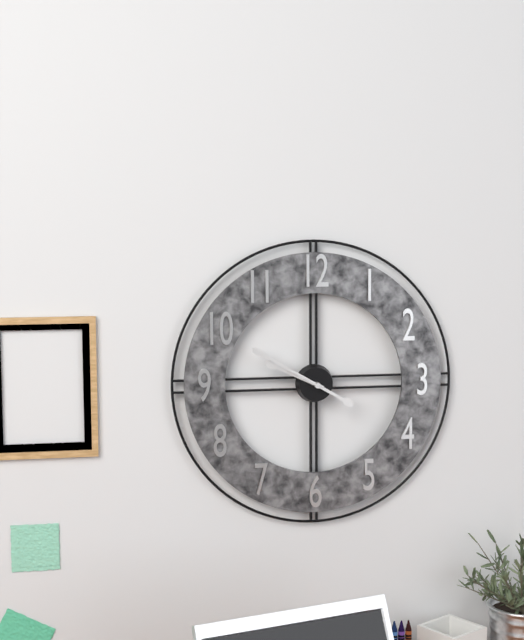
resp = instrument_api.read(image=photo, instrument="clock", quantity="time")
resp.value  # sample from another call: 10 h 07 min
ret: 9 h 50 min
